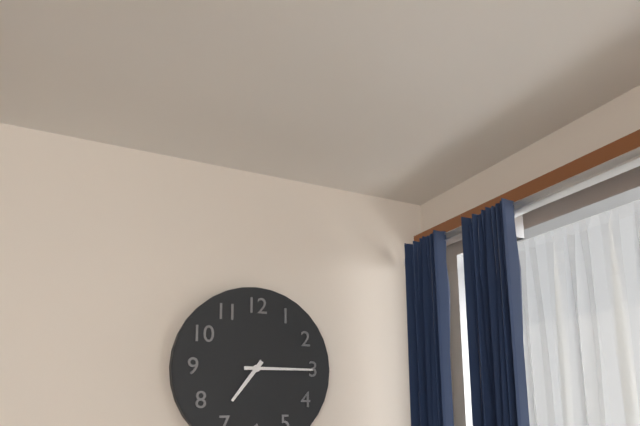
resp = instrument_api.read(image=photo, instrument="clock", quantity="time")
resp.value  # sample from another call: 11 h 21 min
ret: 7 h 15 min
